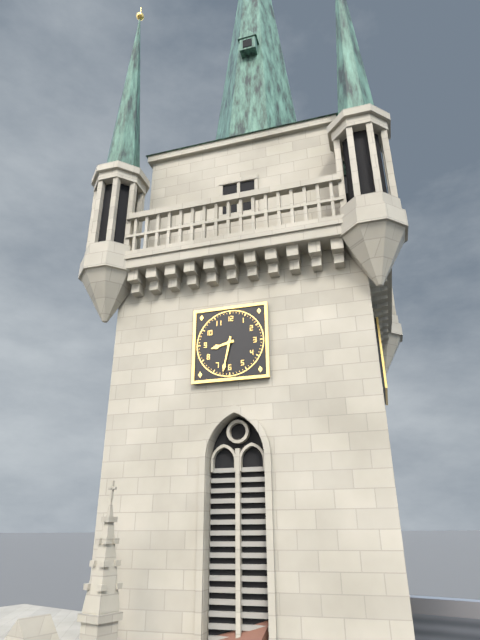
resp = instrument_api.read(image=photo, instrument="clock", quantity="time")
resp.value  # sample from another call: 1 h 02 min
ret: 8 h 32 min
